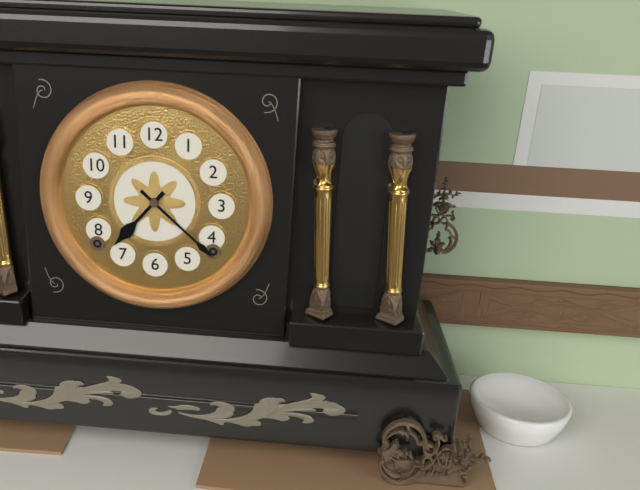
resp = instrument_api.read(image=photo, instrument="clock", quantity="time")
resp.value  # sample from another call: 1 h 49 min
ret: 7 h 22 min
